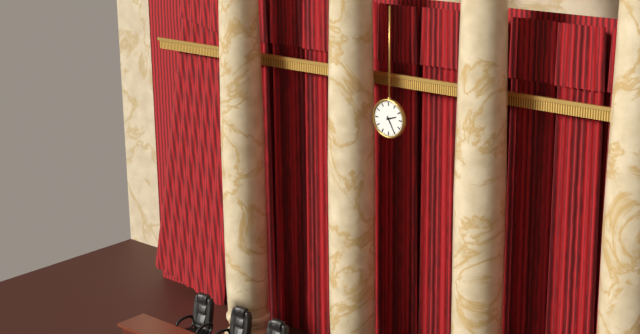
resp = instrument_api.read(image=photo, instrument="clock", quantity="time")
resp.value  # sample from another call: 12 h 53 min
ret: 2 h 25 min
